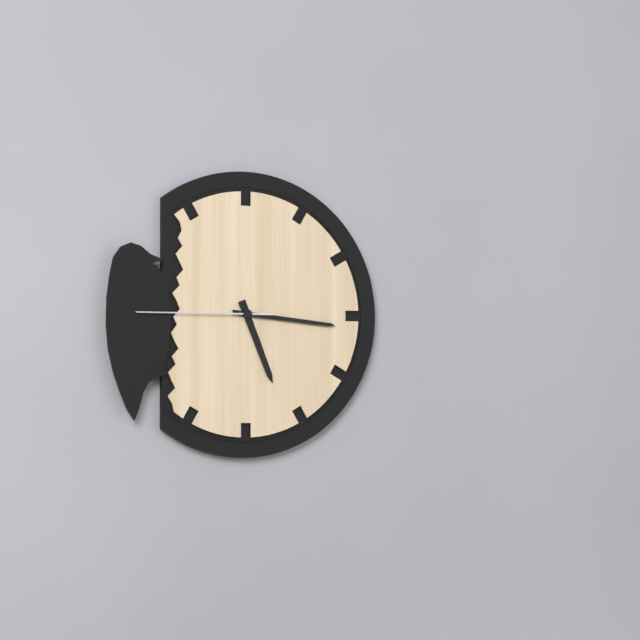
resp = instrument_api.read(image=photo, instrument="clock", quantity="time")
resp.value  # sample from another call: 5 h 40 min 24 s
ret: 5 h 16 min 45 s
